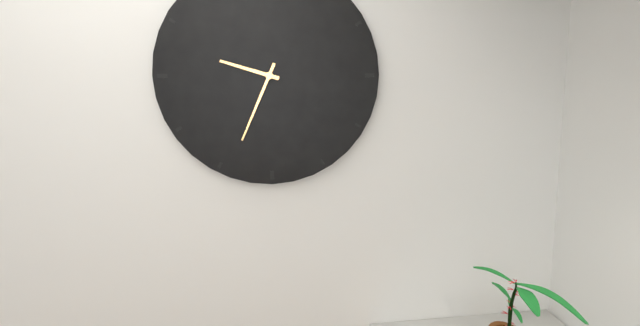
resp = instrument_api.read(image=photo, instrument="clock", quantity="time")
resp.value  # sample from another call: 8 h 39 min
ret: 9 h 34 min
